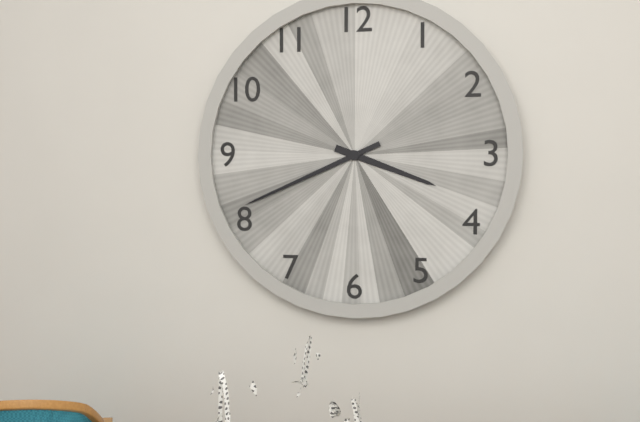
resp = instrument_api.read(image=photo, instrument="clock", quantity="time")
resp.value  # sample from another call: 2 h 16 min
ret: 3 h 41 min
